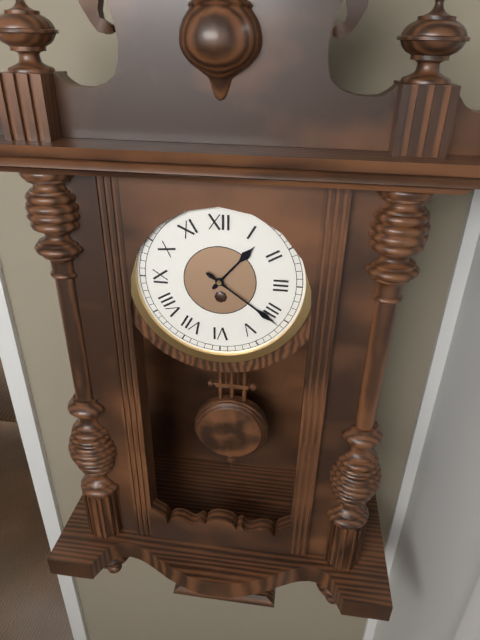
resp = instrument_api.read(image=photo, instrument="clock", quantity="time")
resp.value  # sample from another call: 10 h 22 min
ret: 1 h 21 min
